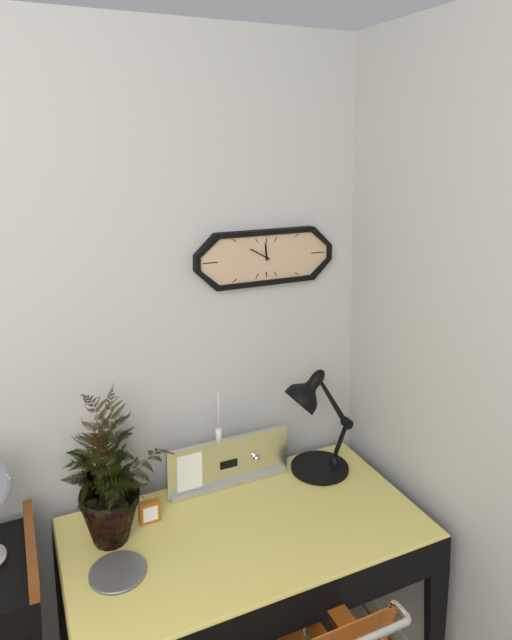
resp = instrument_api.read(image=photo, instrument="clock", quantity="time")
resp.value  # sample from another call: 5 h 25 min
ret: 11 h 50 min
